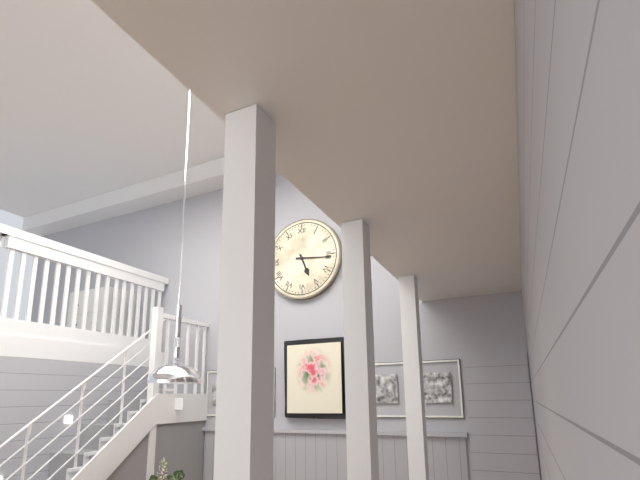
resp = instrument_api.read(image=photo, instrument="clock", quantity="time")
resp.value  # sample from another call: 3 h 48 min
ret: 5 h 16 min
